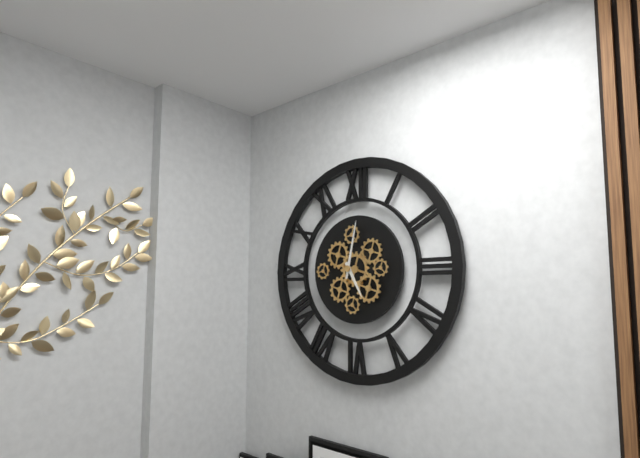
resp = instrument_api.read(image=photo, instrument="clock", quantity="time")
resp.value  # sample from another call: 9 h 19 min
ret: 5 h 02 min
